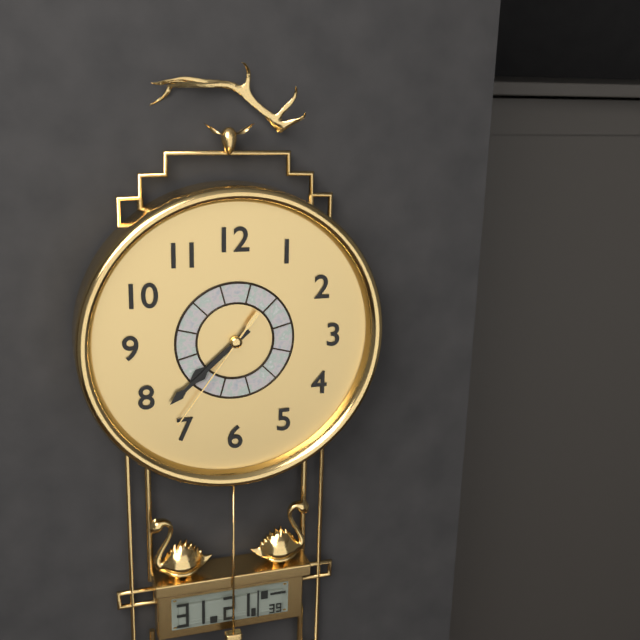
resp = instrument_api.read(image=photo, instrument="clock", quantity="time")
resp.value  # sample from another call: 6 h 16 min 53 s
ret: 7 h 38 min 36 s
